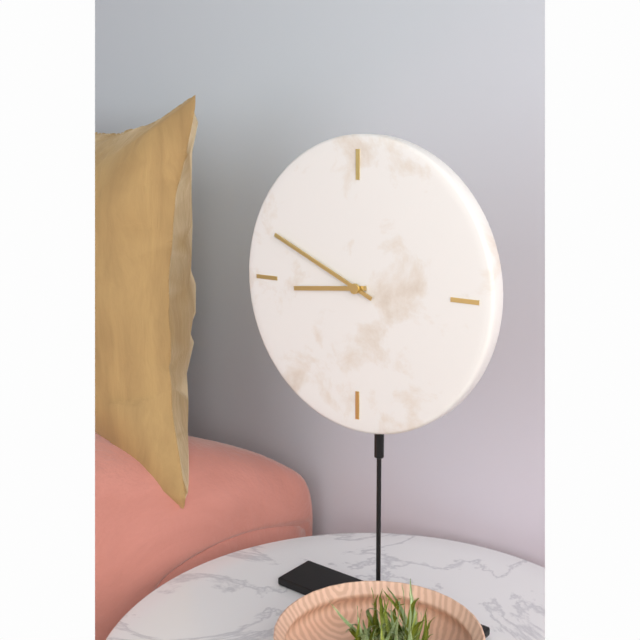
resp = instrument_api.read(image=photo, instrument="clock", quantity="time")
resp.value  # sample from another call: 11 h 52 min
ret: 8 h 49 min
